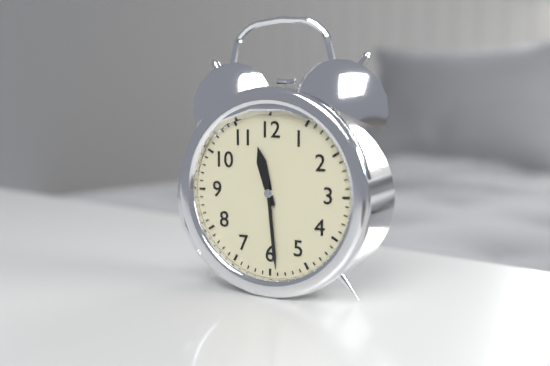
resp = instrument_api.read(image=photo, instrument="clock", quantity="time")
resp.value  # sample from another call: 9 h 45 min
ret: 11 h 29 min
